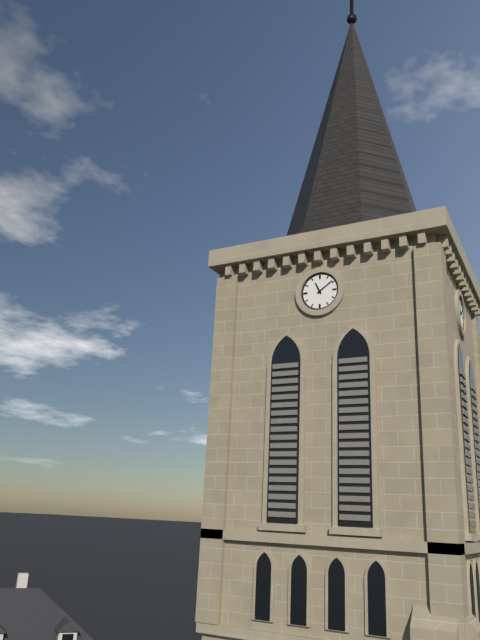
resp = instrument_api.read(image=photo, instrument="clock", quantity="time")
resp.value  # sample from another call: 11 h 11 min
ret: 11 h 09 min
